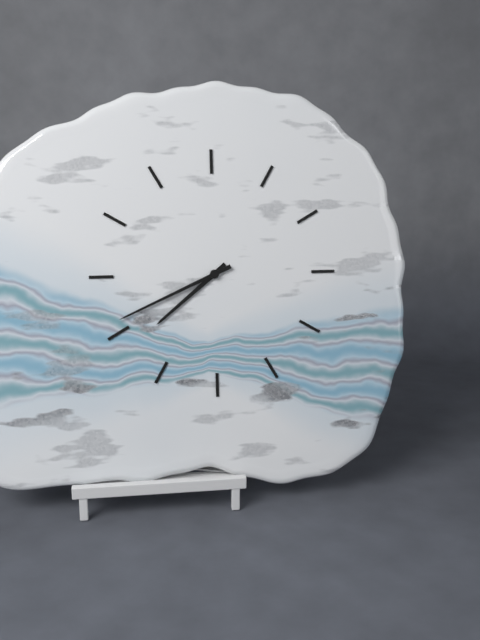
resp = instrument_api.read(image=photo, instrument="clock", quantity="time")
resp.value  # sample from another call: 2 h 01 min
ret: 7 h 41 min
